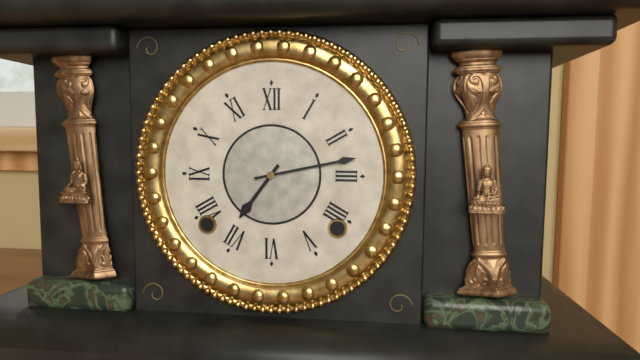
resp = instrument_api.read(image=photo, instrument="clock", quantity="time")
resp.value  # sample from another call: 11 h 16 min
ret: 7 h 13 min
